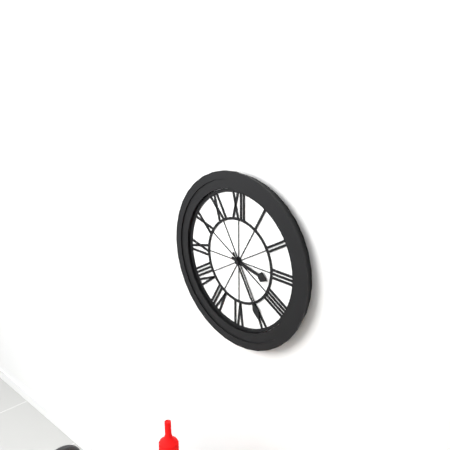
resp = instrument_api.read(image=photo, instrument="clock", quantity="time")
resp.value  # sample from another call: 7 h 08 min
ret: 3 h 25 min
